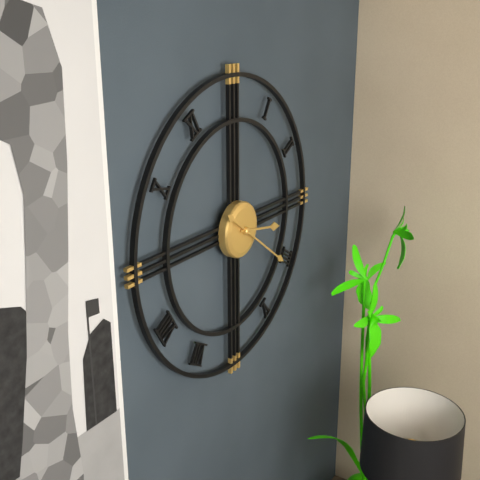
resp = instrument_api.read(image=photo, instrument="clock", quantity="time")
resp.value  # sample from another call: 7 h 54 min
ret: 3 h 21 min
